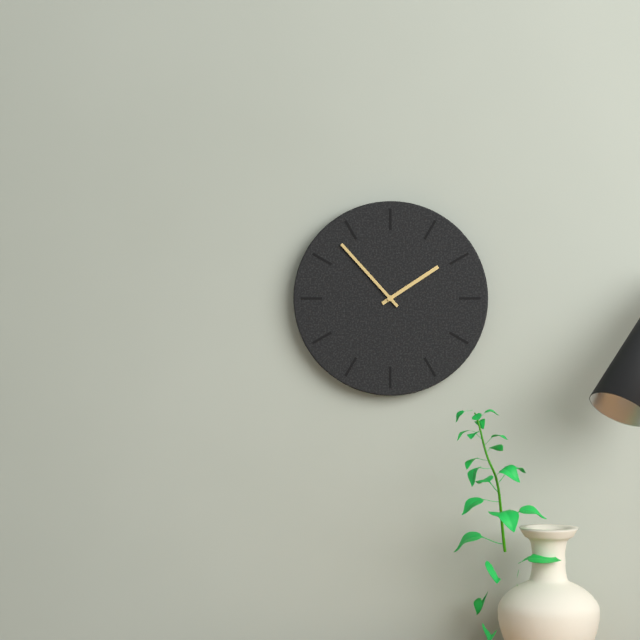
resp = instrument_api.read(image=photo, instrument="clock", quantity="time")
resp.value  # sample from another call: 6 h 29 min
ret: 1 h 53 min
